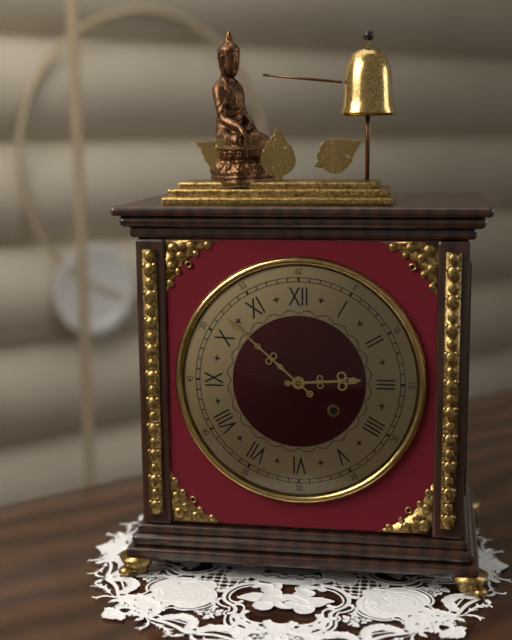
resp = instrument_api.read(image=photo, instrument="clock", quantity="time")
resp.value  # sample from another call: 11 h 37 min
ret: 2 h 52 min
